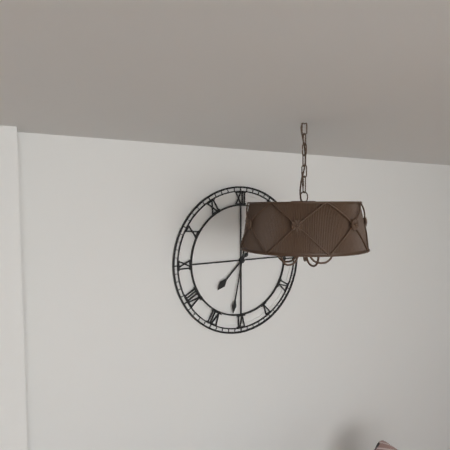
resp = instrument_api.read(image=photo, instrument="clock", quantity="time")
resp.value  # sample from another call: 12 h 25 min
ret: 7 h 32 min
